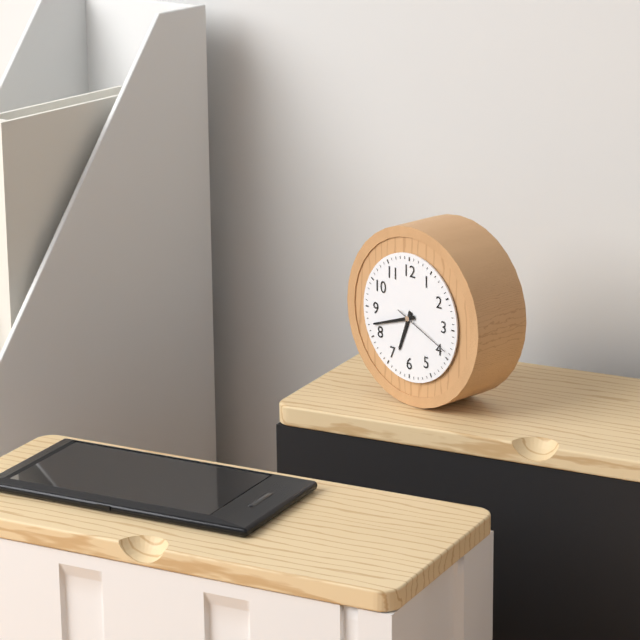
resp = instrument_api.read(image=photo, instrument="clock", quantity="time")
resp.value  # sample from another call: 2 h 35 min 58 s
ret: 6 h 42 min 19 s
